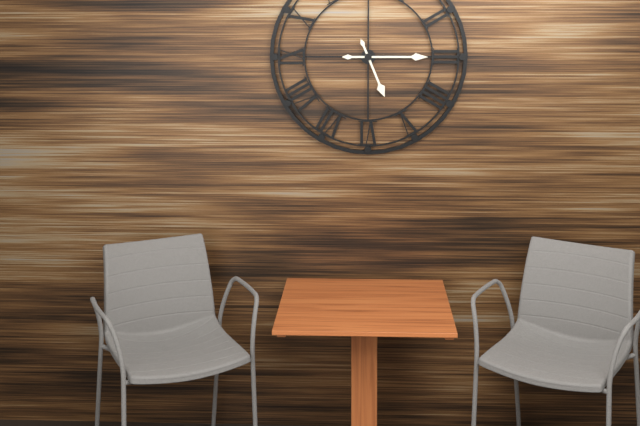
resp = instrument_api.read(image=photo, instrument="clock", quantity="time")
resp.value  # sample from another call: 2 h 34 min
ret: 5 h 15 min
